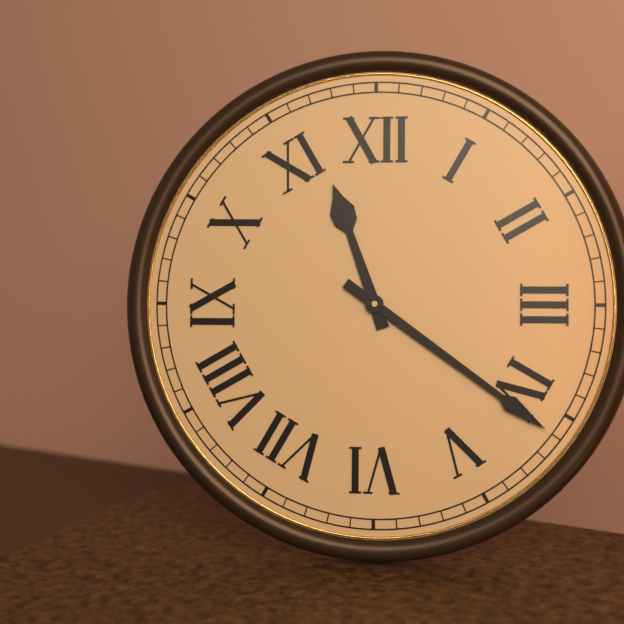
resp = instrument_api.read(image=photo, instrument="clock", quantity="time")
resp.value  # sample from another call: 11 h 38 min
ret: 11 h 21 min
